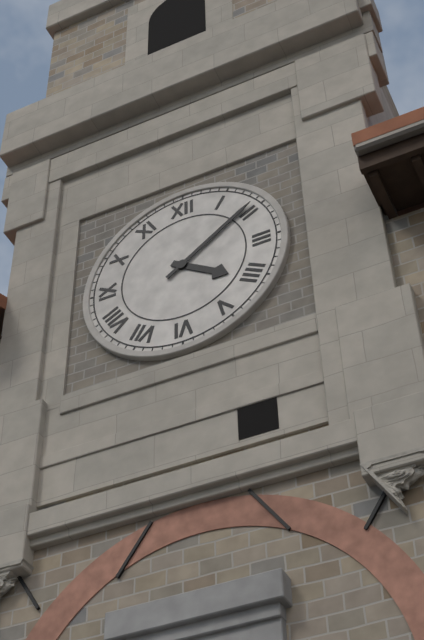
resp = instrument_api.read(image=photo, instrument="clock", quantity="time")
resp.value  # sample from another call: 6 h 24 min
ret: 4 h 09 min
